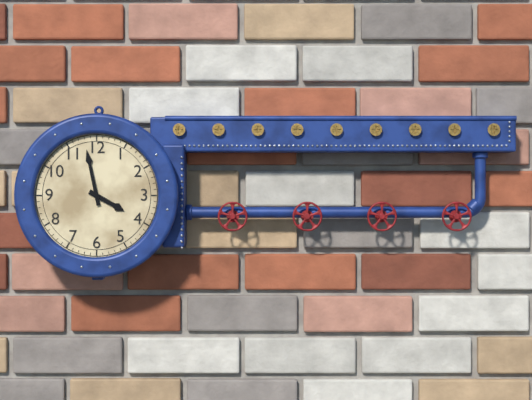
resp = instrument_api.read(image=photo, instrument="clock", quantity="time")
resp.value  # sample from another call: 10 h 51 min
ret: 3 h 58 min
